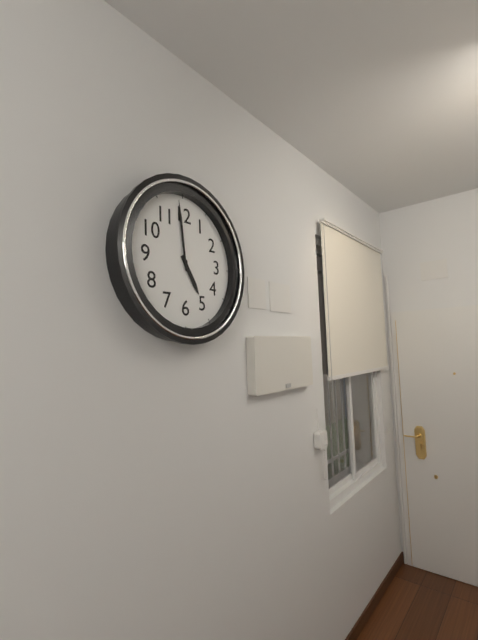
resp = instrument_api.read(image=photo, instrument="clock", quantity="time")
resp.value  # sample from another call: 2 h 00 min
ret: 4 h 59 min
